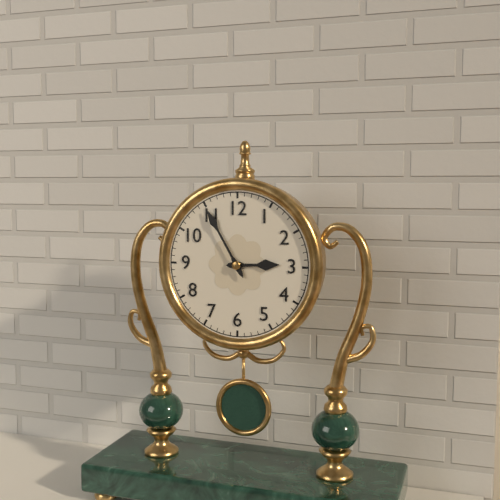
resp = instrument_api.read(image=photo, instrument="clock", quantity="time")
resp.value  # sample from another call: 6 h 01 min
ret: 2 h 55 min
